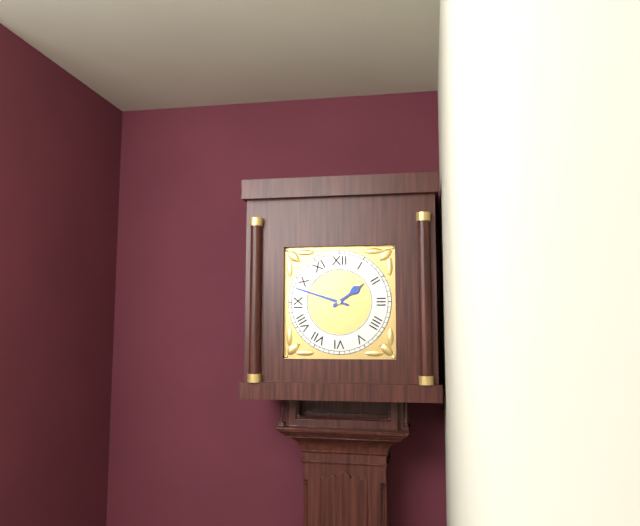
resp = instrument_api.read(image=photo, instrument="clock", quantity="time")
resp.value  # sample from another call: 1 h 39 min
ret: 1 h 48 min
